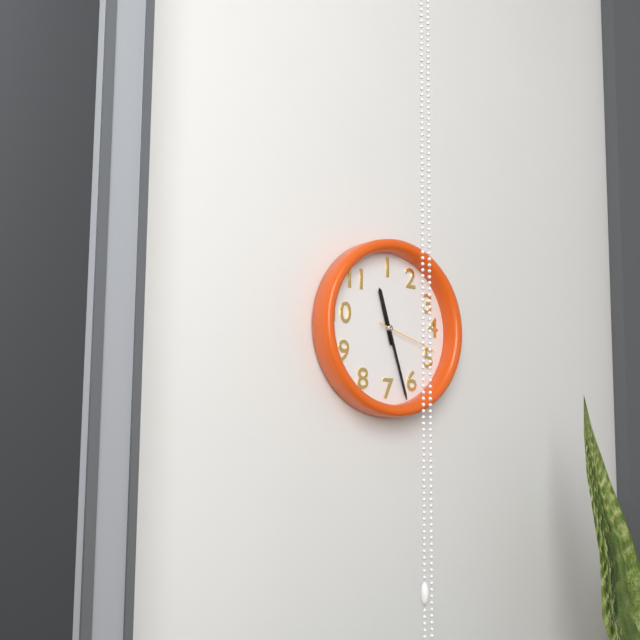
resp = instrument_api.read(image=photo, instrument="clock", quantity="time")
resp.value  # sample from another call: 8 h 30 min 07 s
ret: 11 h 27 min 18 s
